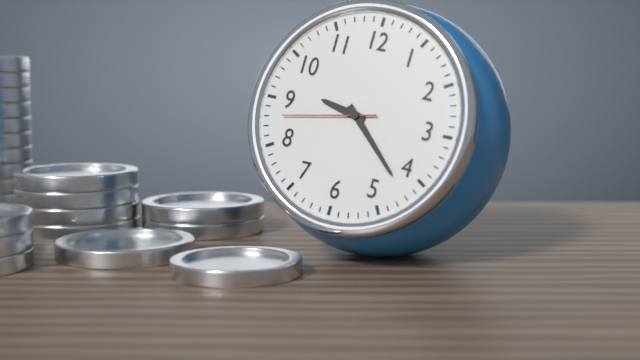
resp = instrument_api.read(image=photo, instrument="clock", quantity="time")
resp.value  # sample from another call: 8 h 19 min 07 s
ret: 9 h 22 min 43 s
